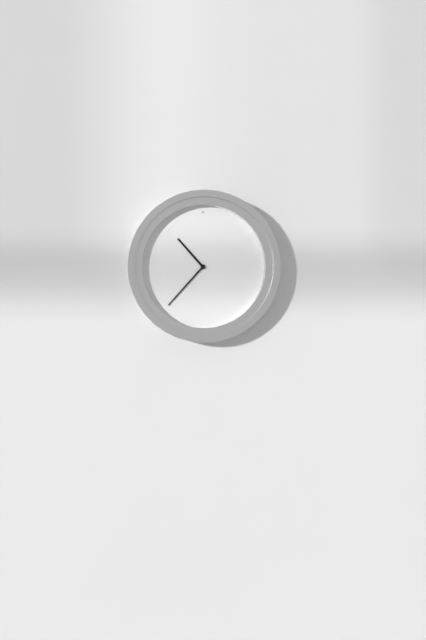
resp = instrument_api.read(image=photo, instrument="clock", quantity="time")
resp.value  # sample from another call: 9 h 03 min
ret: 10 h 37 min
